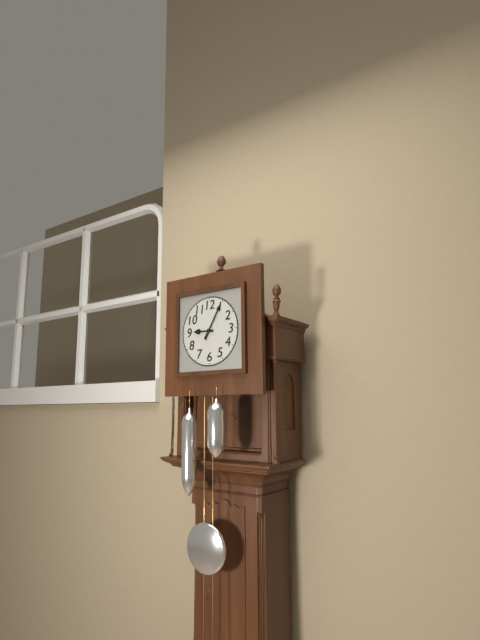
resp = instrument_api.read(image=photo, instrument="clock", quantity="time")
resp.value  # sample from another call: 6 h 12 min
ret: 9 h 05 min
